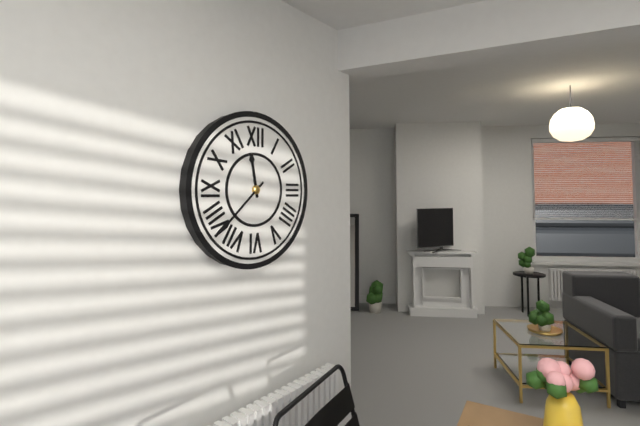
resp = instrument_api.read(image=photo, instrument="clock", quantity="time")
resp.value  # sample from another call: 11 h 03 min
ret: 11 h 38 min
